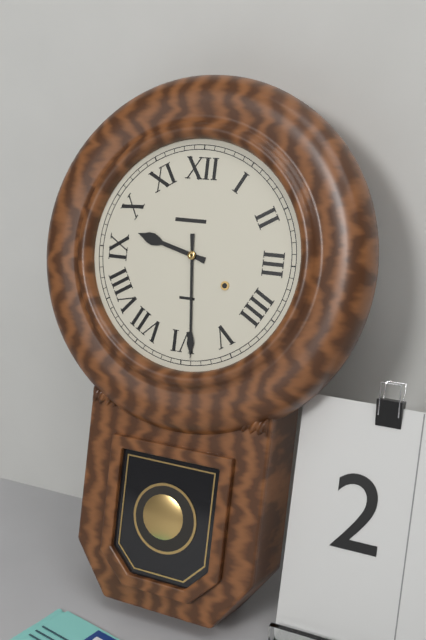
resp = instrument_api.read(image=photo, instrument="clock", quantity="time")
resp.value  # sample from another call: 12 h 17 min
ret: 9 h 29 min
